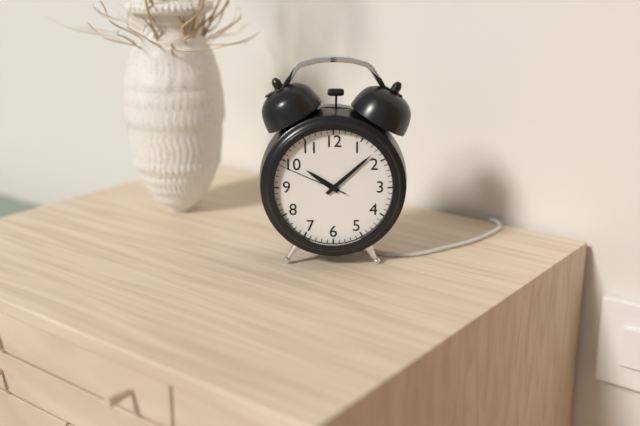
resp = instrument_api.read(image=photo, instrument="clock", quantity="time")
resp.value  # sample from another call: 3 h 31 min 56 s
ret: 10 h 08 min 49 s
